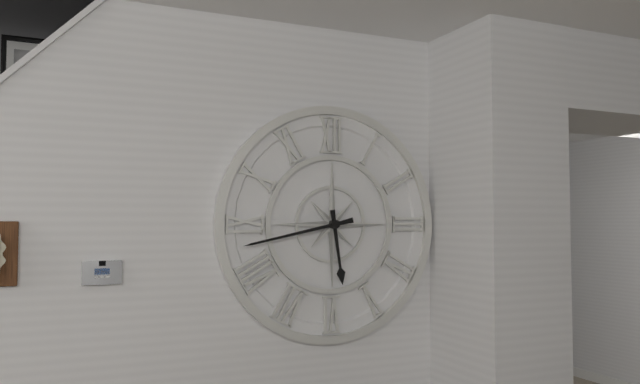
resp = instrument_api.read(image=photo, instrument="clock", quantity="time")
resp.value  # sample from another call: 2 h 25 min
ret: 5 h 43 min
